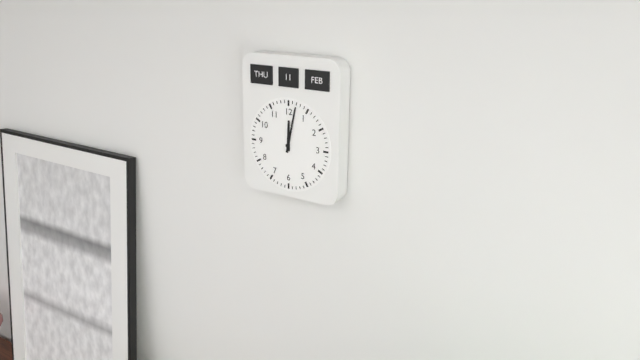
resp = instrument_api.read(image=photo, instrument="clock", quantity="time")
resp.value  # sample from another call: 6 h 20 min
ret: 12 h 02 min
